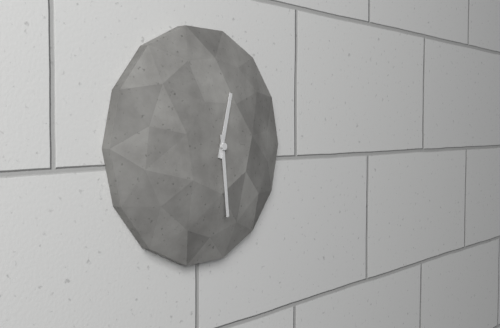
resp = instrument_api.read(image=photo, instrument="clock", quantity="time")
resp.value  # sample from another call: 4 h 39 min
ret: 12 h 29 min
